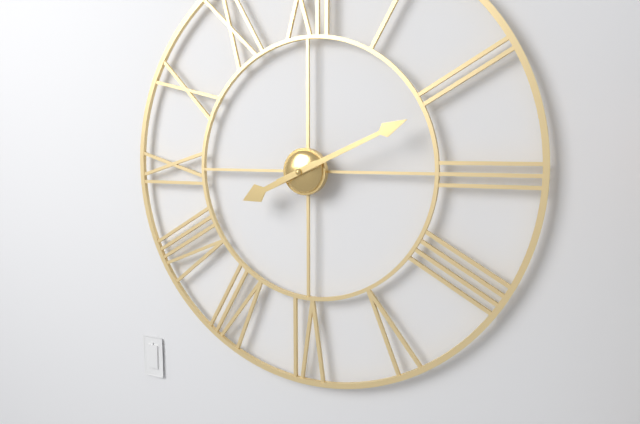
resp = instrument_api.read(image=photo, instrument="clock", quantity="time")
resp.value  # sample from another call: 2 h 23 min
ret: 8 h 11 min
